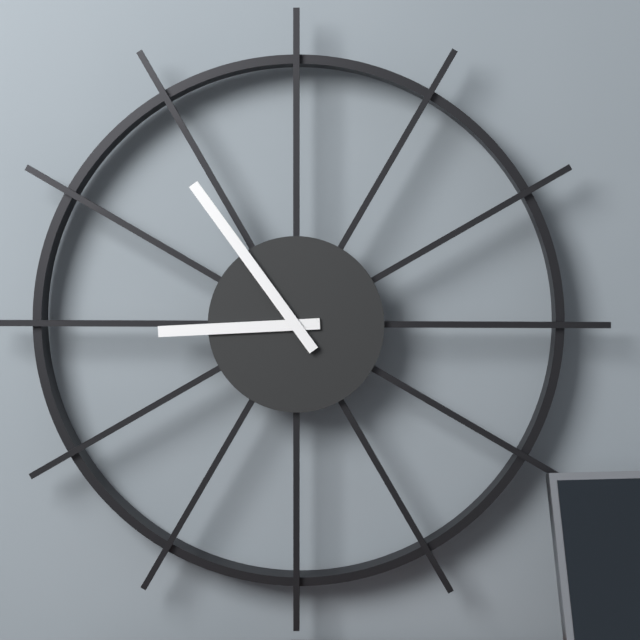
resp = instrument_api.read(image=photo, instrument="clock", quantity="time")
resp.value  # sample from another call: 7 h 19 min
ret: 8 h 54 min
